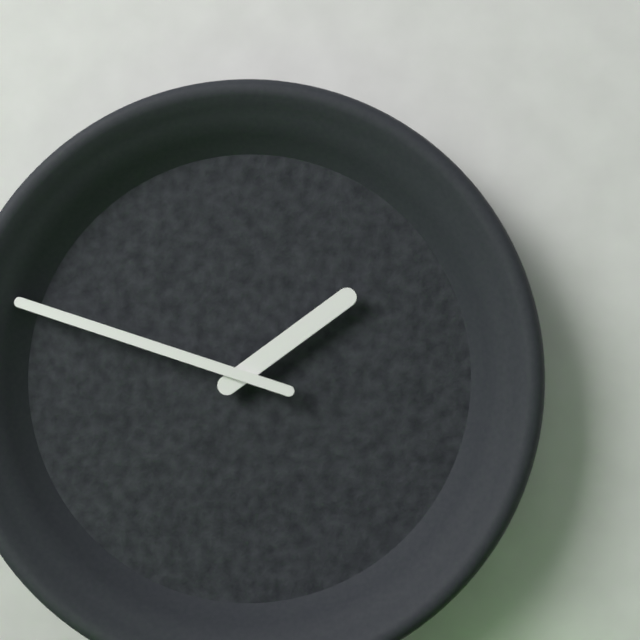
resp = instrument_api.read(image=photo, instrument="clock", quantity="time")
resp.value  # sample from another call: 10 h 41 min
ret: 1 h 48 min
